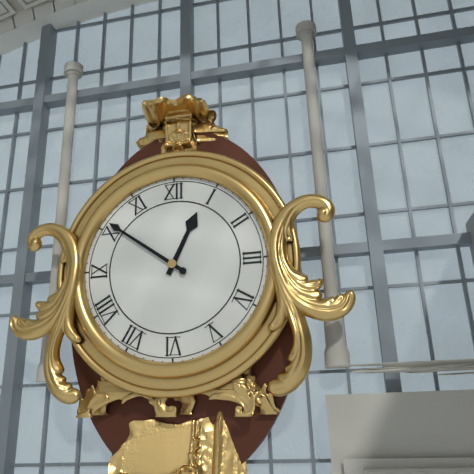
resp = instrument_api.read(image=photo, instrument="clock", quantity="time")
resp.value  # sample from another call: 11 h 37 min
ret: 12 h 51 min
